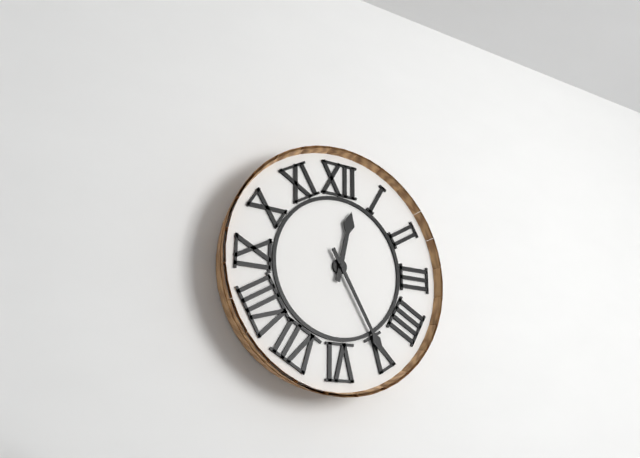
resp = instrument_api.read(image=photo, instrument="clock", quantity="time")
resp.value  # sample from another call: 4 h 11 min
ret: 12 h 25 min
